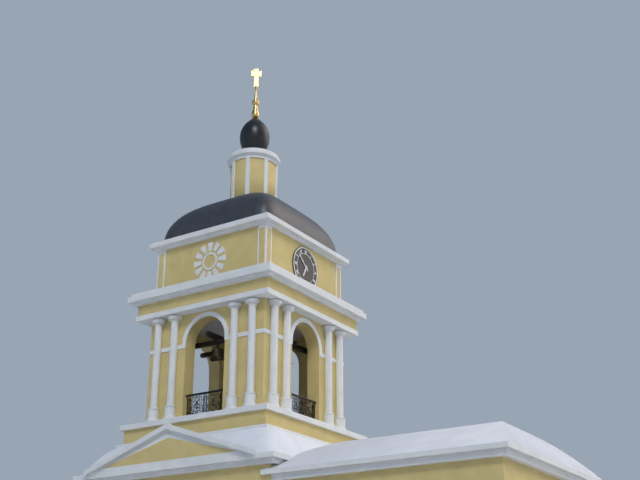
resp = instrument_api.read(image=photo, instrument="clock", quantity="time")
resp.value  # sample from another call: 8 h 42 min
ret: 6 h 52 min
